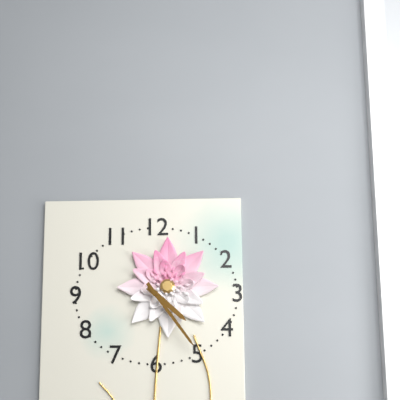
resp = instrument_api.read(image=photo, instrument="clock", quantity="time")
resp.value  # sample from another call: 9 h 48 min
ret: 4 h 24 min
